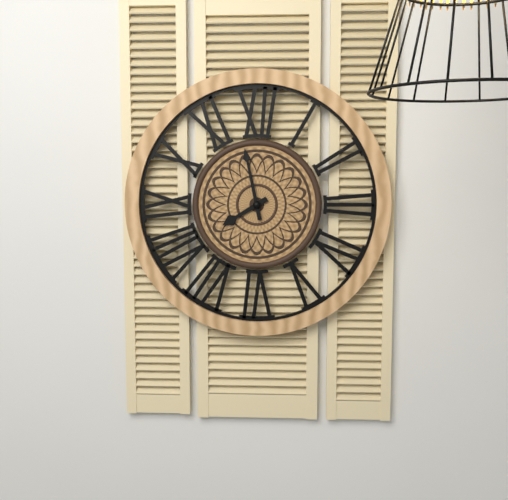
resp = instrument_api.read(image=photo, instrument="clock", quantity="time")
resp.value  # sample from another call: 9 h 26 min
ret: 7 h 58 min
